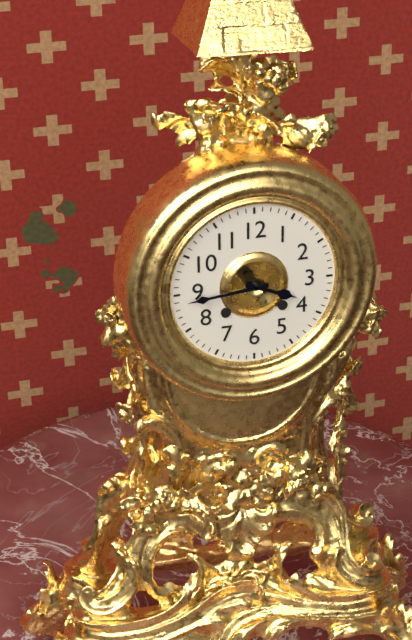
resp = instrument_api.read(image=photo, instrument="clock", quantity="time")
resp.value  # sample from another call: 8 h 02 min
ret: 3 h 44 min
